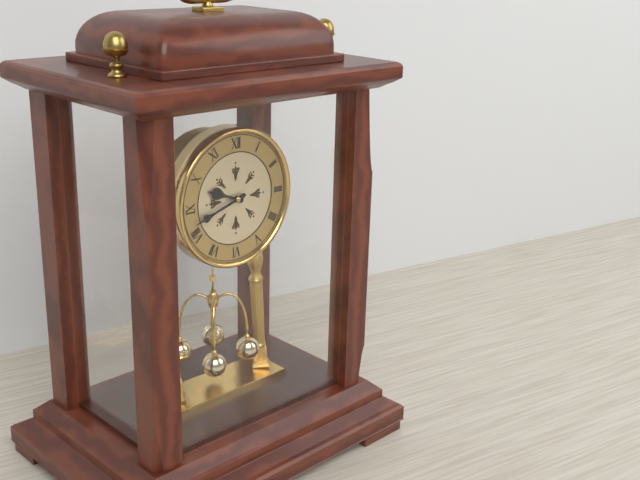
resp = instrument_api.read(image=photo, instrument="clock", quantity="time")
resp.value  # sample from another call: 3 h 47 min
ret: 9 h 42 min
